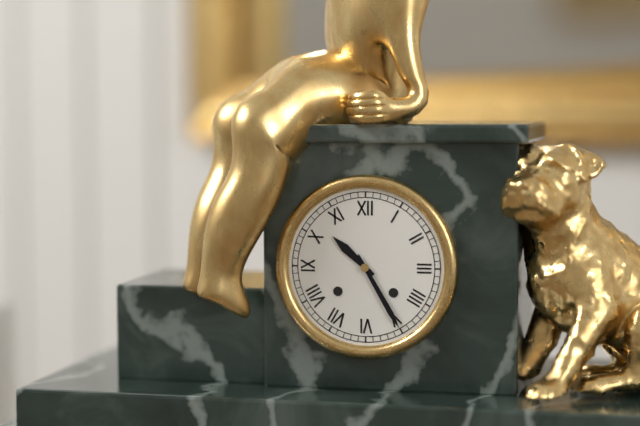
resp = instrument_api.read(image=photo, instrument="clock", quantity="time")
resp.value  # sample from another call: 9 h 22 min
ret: 10 h 25 min
